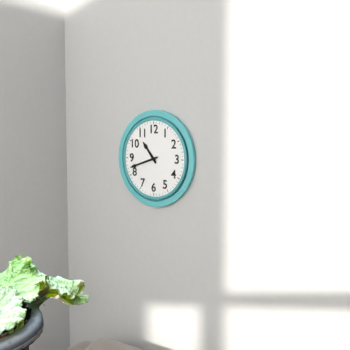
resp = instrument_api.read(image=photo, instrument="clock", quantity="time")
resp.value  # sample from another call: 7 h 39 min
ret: 10 h 42 min
